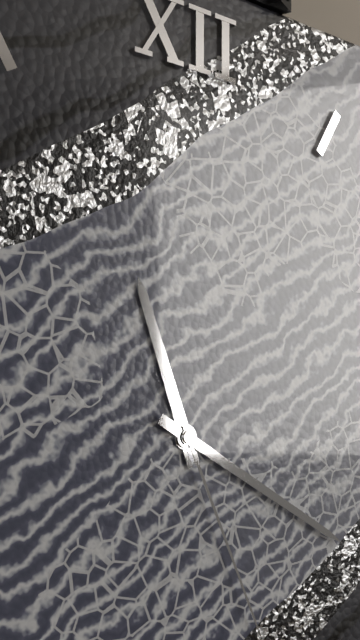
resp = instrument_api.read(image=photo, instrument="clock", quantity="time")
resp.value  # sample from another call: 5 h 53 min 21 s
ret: 11 h 20 min 26 s
